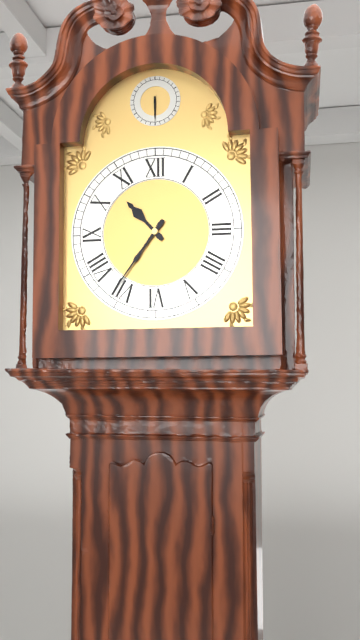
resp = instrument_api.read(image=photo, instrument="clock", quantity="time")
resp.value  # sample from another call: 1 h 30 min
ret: 10 h 36 min
